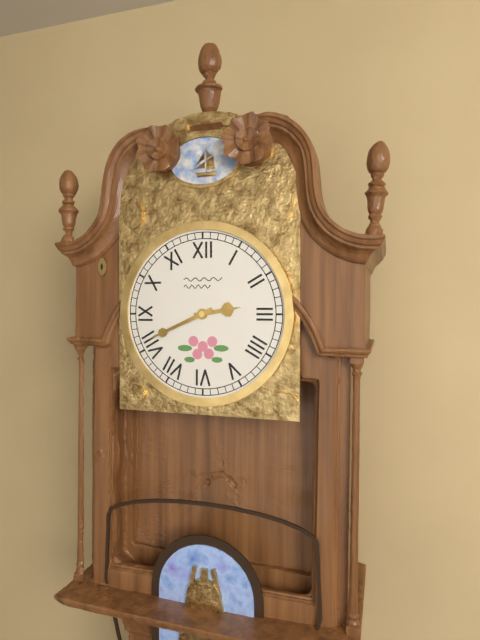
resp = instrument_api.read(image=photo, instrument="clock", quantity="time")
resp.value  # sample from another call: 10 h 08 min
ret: 2 h 41 min
